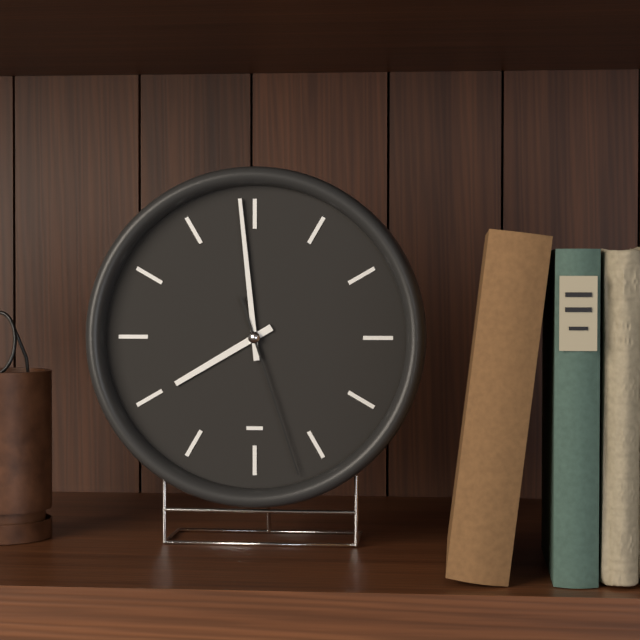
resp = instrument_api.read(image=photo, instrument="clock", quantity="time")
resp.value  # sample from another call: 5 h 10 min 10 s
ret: 7 h 59 min 27 s
